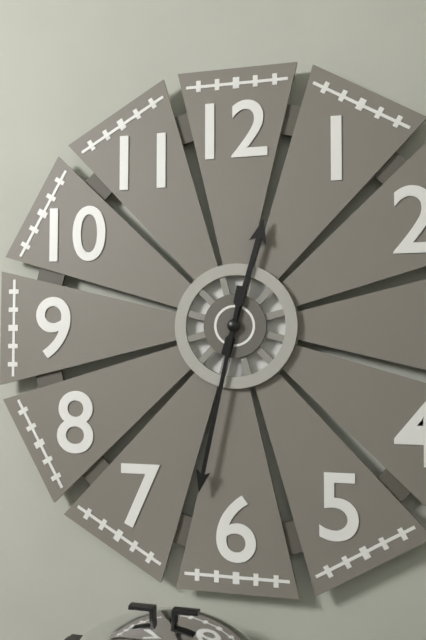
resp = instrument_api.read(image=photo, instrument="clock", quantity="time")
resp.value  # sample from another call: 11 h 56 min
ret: 12 h 32 min
